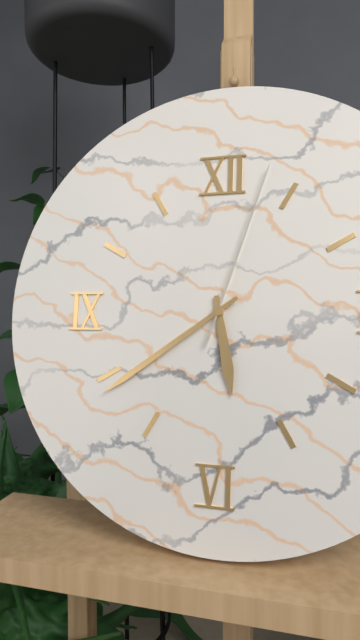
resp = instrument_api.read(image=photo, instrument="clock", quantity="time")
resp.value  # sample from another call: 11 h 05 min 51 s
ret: 5 h 39 min 03 s
